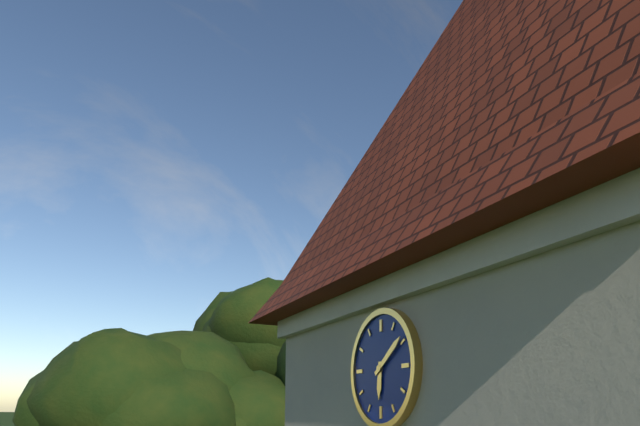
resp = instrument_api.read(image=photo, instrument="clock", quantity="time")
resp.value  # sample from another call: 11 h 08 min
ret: 6 h 09 min
